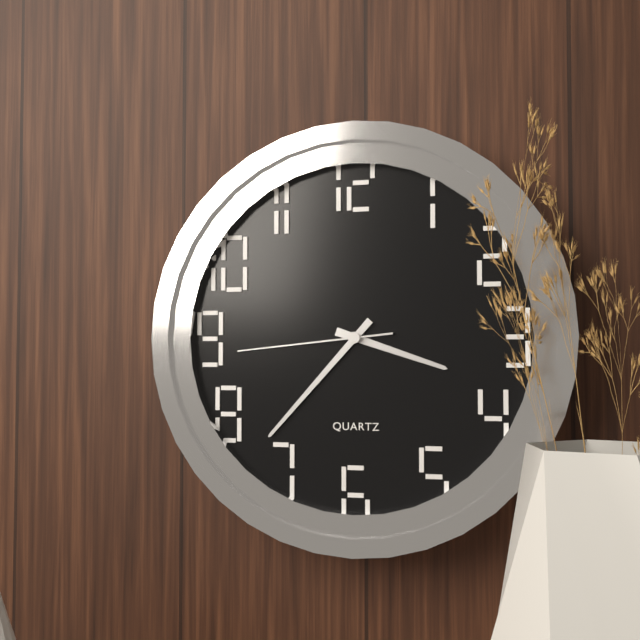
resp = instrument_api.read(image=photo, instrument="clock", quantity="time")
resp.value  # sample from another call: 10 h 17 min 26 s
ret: 3 h 37 min 44 s
